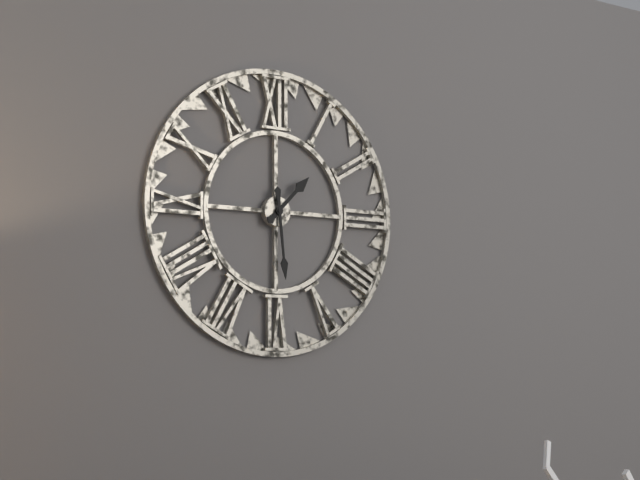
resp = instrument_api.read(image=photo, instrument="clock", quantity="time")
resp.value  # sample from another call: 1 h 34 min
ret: 1 h 29 min
